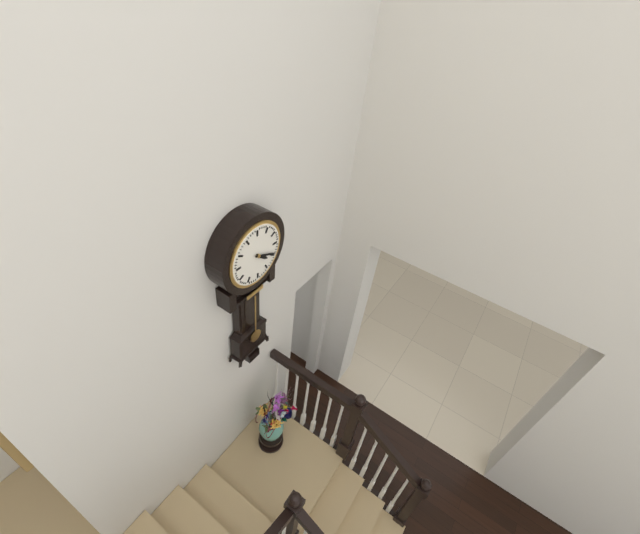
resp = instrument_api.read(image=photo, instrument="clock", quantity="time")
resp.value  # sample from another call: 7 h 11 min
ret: 4 h 19 min
